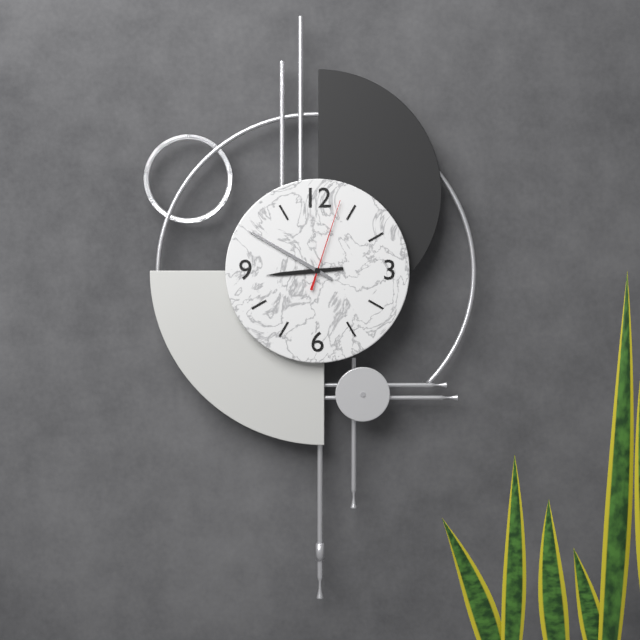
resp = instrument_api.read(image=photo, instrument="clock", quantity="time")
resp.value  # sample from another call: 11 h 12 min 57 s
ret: 8 h 50 min 03 s
